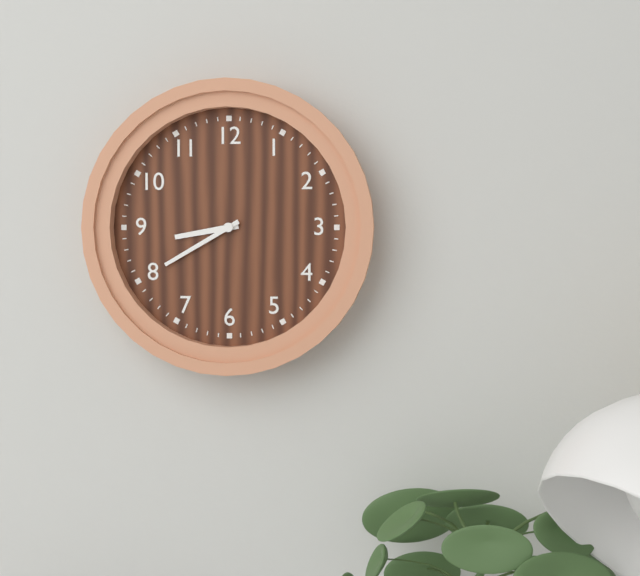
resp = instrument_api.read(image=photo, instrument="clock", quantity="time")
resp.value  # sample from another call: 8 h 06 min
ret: 8 h 40 min
